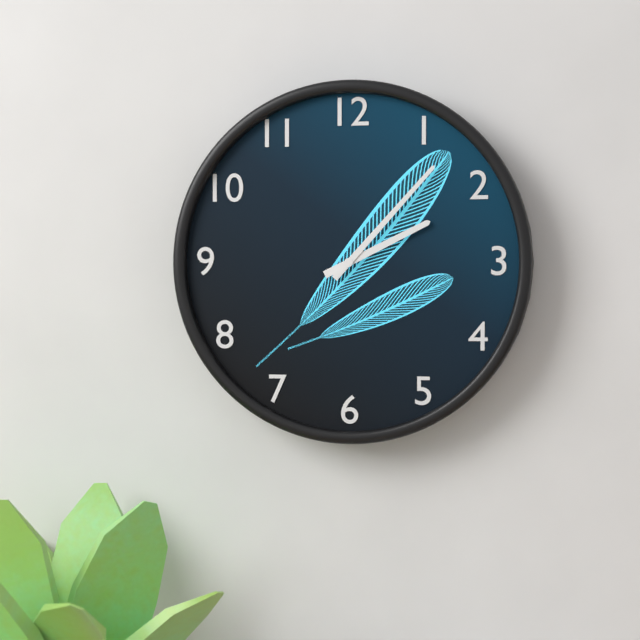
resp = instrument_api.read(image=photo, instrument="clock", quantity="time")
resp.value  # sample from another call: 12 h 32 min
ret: 2 h 07 min
